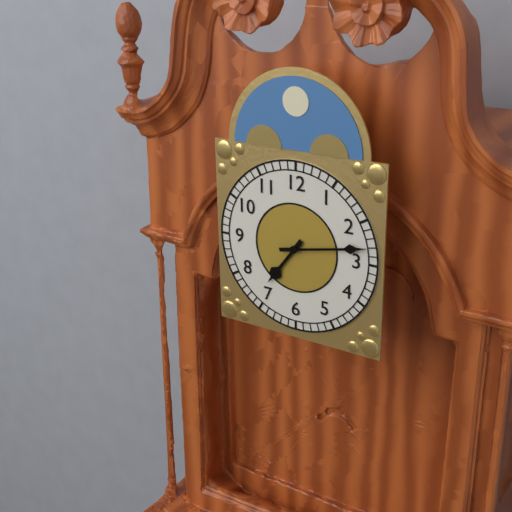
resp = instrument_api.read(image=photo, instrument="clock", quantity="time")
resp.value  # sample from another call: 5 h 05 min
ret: 7 h 13 min
